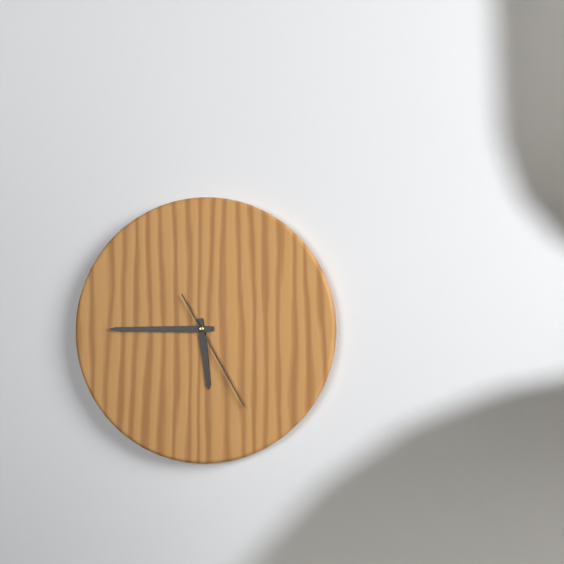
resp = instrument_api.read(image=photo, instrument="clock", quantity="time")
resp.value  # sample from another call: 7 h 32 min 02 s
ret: 5 h 45 min 25 s
